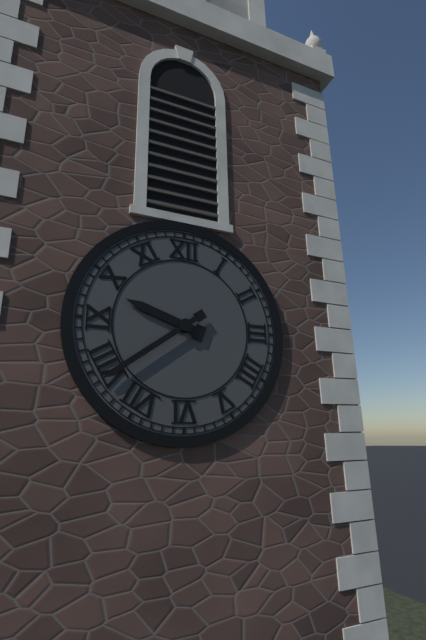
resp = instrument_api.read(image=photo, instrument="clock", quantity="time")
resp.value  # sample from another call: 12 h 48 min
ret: 9 h 39 min
